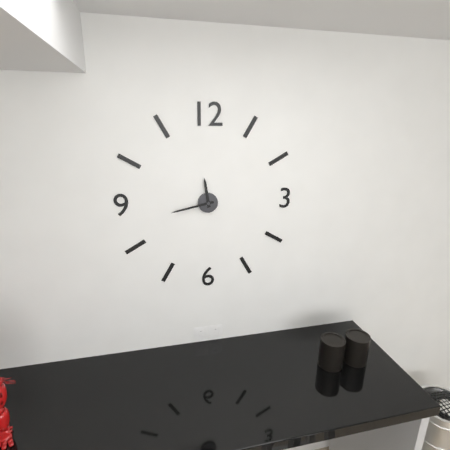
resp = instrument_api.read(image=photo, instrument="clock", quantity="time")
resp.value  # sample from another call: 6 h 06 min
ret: 11 h 43 min
